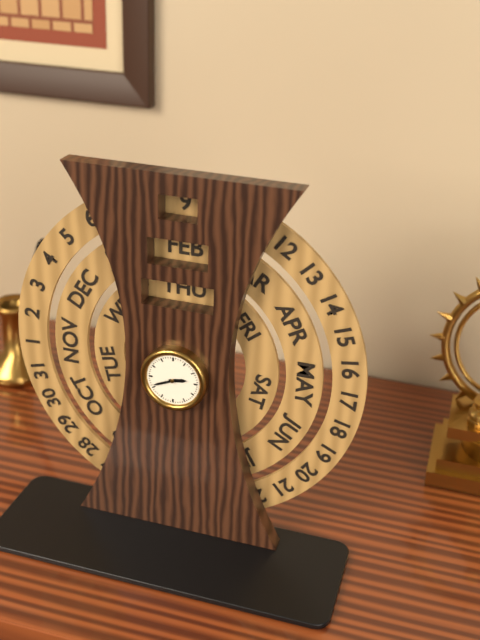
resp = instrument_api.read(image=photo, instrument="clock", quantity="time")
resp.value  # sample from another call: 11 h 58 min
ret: 2 h 41 min
